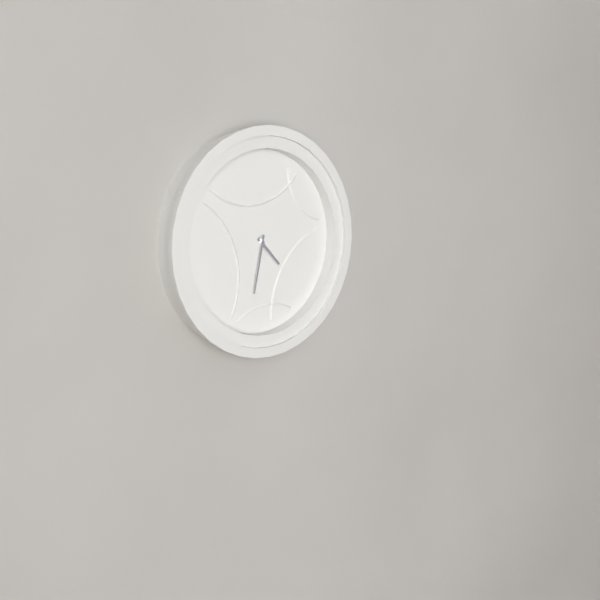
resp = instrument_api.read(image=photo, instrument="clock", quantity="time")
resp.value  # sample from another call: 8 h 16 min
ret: 4 h 32 min
